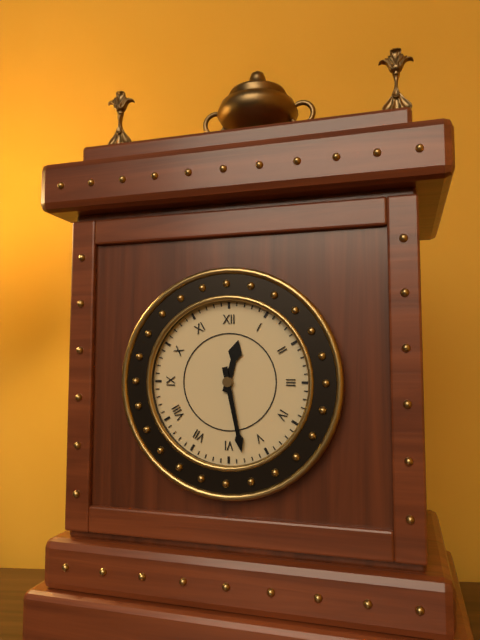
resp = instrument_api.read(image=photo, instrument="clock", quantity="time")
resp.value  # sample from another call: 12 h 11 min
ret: 12 h 28 min
